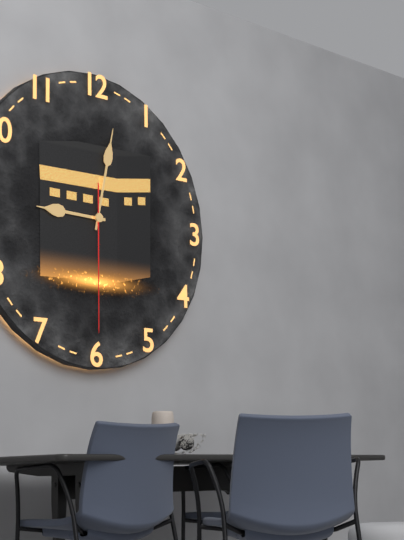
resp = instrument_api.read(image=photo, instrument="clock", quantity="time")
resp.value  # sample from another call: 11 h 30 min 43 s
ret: 9 h 02 min 30 s
